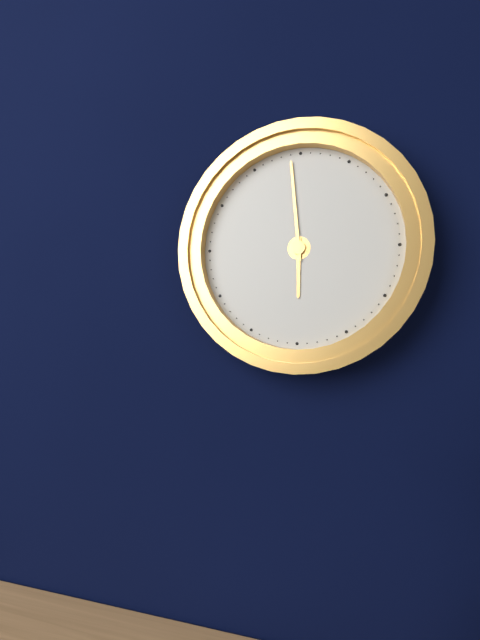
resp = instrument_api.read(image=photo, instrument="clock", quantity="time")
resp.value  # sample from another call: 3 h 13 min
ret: 5 h 59 min
